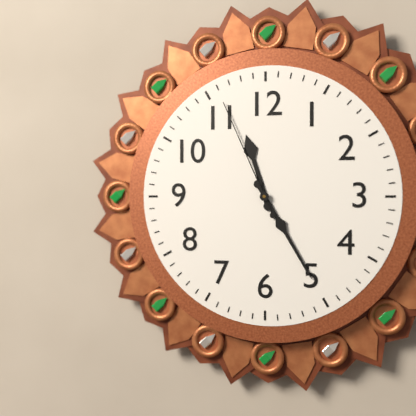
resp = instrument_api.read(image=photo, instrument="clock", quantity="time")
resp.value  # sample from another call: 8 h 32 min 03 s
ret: 11 h 25 min 56 s
